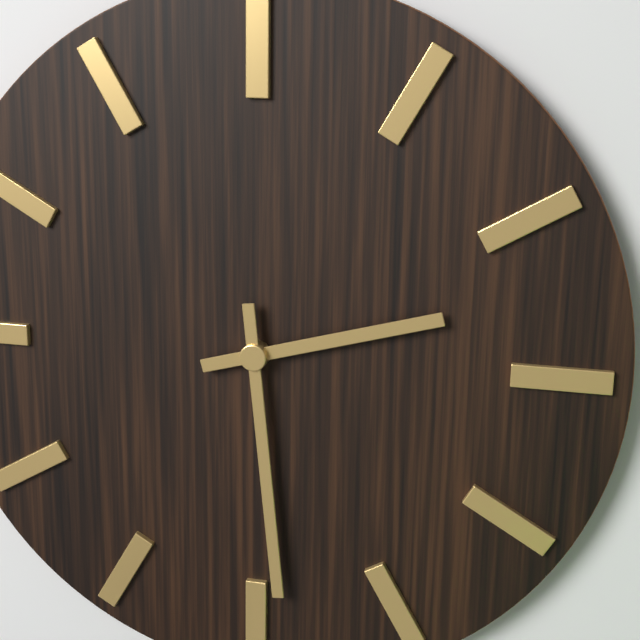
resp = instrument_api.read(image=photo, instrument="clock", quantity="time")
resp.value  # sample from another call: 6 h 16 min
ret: 2 h 29 min
